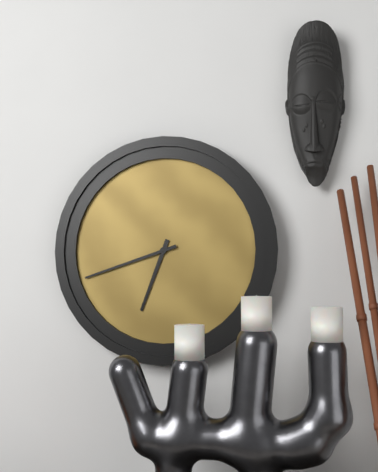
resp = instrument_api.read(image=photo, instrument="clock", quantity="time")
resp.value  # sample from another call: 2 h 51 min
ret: 6 h 42 min
